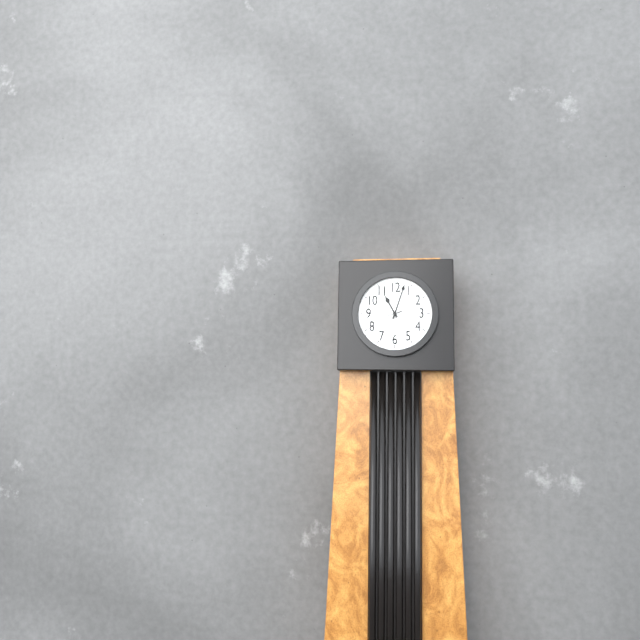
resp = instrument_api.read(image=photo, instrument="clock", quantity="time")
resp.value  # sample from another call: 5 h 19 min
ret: 11 h 03 min
